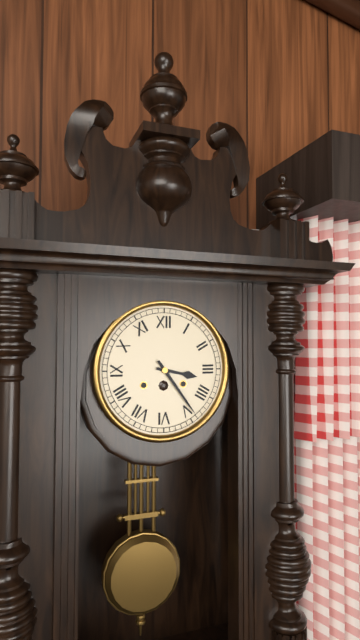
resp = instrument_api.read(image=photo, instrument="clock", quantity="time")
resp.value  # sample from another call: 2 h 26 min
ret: 3 h 24 min
